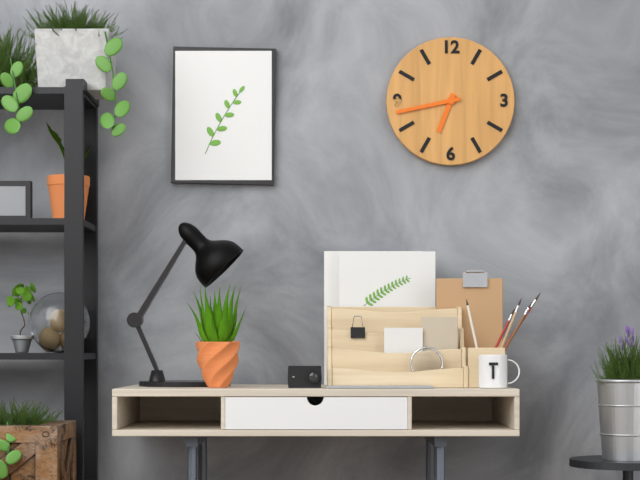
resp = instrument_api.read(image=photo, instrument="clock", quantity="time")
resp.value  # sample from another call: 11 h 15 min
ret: 6 h 43 min
